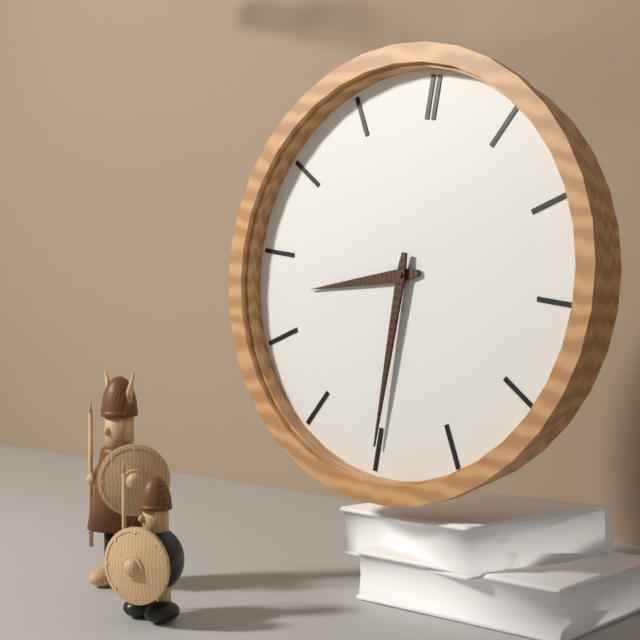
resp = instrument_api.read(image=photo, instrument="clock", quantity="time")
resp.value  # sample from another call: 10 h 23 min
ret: 8 h 30 min
